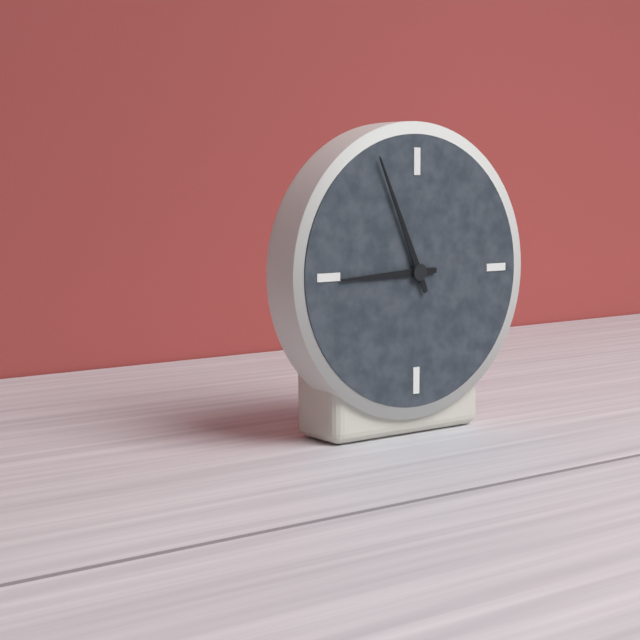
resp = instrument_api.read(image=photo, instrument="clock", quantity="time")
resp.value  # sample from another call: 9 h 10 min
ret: 8 h 56 min
